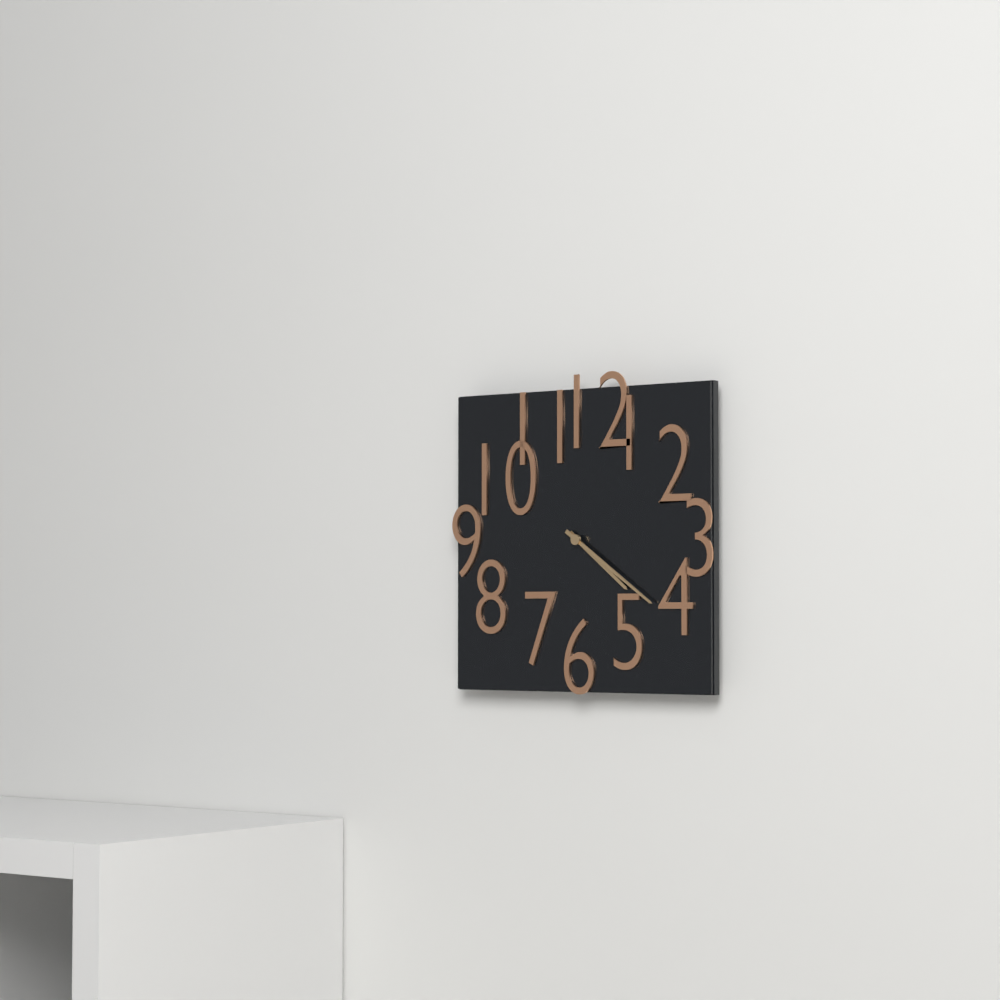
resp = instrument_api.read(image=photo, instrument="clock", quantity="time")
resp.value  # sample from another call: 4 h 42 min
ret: 4 h 21 min
